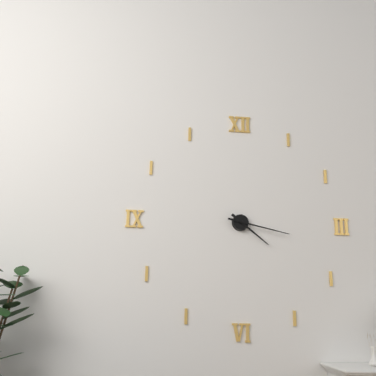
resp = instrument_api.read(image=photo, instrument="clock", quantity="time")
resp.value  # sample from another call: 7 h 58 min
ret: 4 h 17 min
